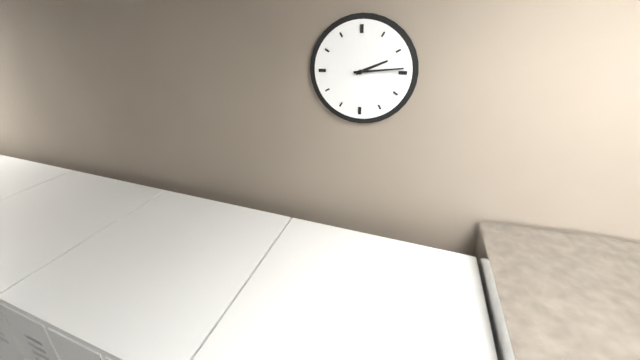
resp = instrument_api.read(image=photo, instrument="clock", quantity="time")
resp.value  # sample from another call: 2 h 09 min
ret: 2 h 14 min
